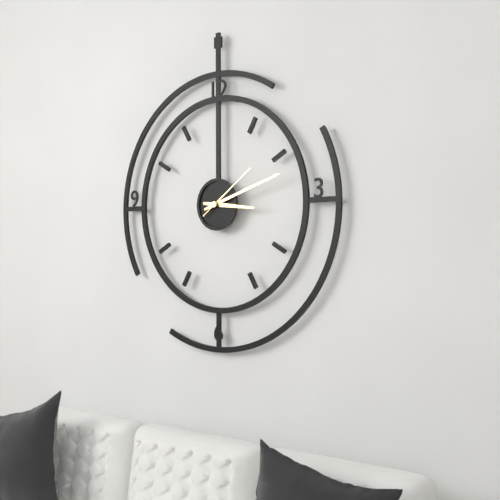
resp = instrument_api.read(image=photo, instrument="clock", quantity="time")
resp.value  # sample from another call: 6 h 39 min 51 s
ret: 3 h 12 min 09 s
